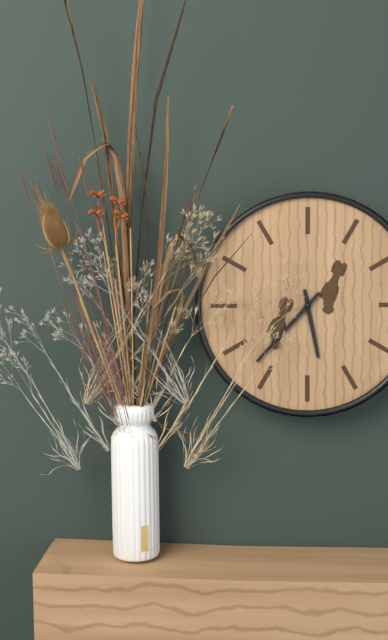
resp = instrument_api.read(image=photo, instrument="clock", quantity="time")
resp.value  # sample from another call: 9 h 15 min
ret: 5 h 37 min
